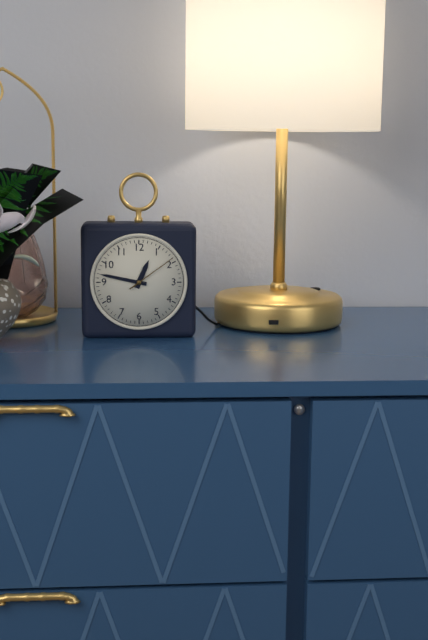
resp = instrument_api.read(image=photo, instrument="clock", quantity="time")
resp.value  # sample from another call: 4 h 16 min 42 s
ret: 12 h 47 min 09 s
